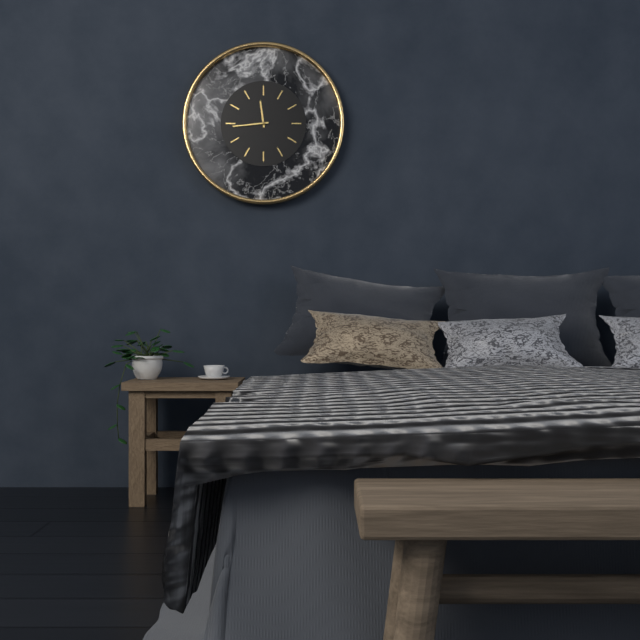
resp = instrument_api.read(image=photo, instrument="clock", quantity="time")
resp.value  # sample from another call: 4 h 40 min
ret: 11 h 44 min
